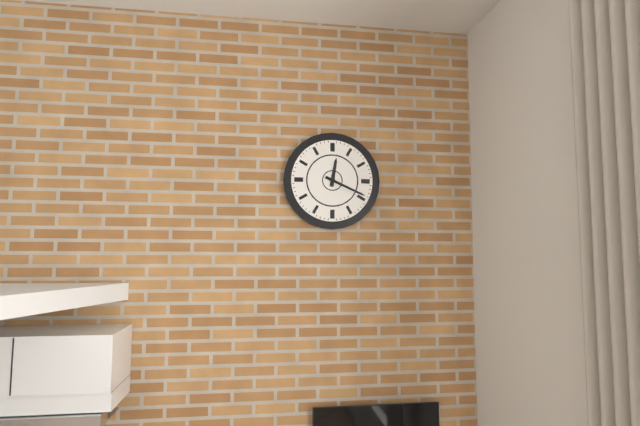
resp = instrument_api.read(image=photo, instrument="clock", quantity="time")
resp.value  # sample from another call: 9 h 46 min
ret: 12 h 19 min
